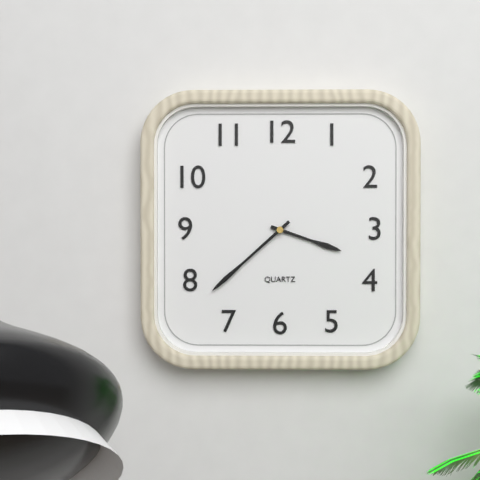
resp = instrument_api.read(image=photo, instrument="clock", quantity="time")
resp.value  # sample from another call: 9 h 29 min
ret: 3 h 38 min
